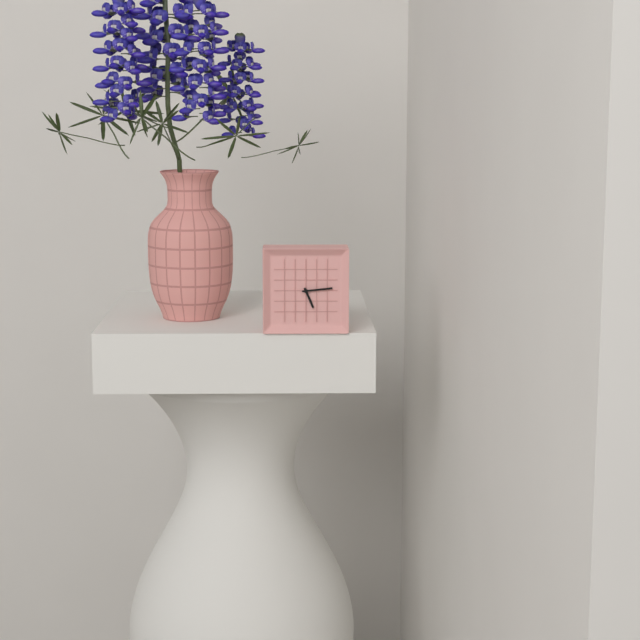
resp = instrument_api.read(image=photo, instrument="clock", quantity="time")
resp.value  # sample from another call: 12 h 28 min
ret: 5 h 14 min
